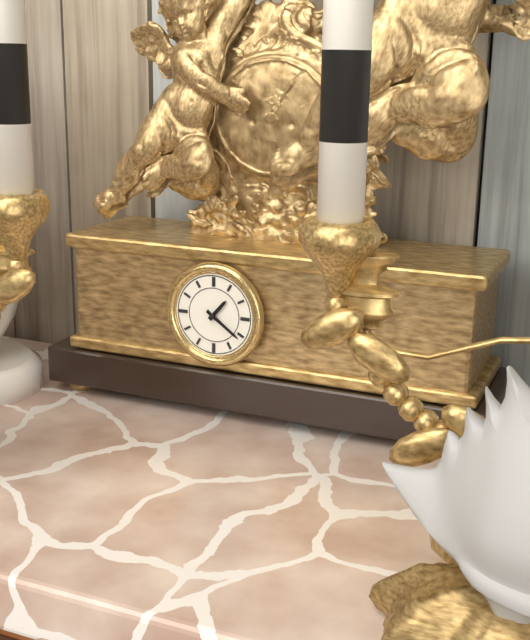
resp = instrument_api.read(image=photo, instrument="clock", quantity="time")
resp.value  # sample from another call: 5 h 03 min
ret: 1 h 21 min
